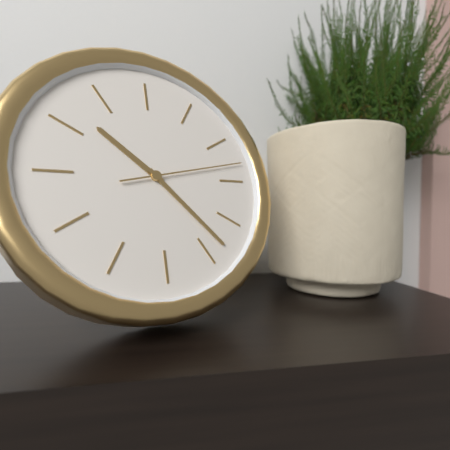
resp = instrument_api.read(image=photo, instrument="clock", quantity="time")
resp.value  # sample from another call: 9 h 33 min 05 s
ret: 10 h 23 min 13 s
